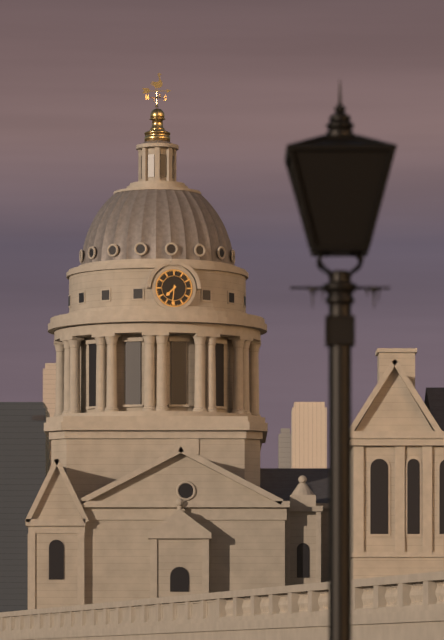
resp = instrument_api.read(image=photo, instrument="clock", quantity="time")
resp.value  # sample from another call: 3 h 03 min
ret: 7 h 31 min
